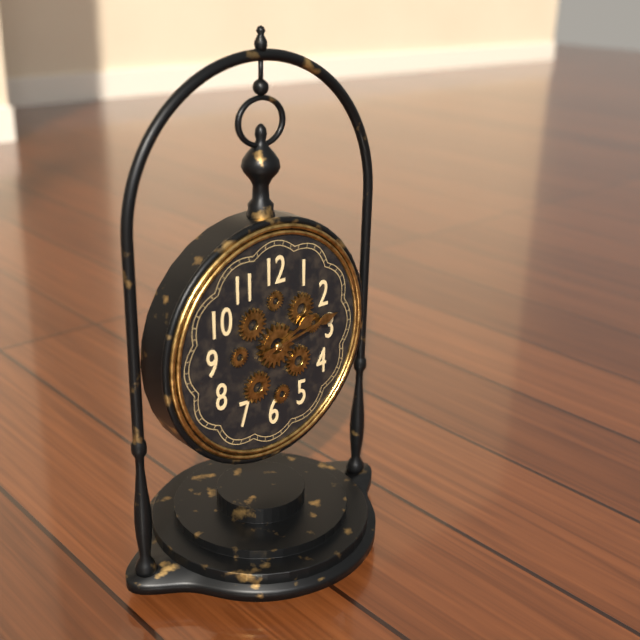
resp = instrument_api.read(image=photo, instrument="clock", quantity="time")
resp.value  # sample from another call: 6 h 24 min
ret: 2 h 13 min
